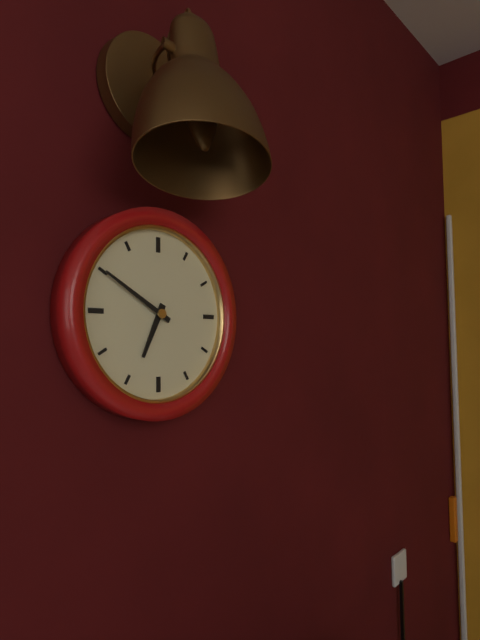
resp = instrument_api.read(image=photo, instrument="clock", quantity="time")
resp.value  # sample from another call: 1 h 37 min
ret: 6 h 50 min
